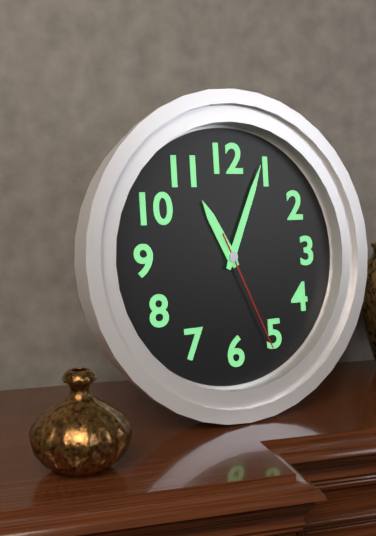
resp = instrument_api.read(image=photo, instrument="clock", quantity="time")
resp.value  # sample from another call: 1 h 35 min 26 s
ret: 11 h 04 min 26 s
